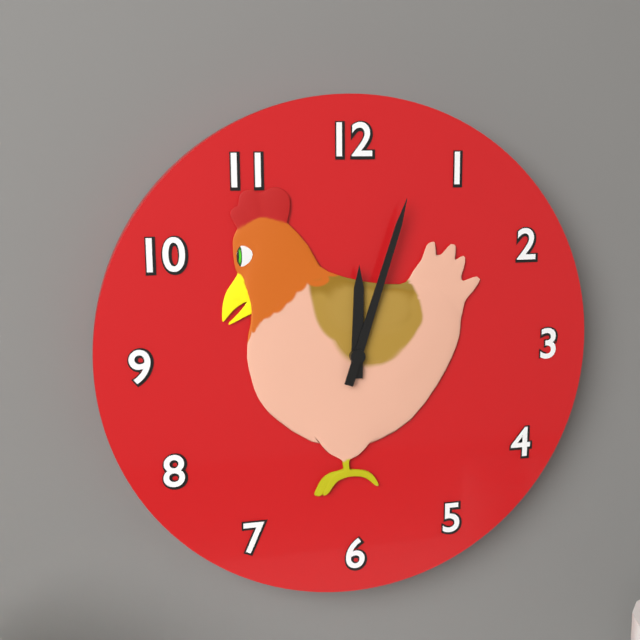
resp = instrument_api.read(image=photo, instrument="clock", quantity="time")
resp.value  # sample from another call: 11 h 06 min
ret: 12 h 03 min
